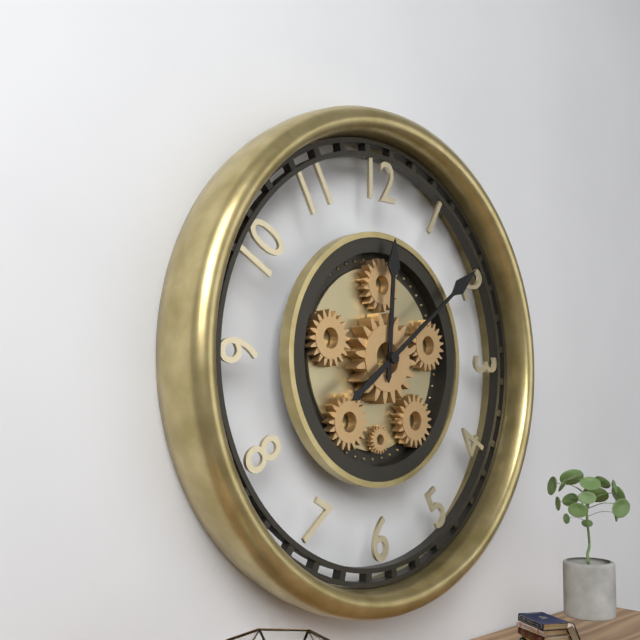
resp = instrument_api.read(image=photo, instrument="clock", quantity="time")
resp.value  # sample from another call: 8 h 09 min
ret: 12 h 09 min
